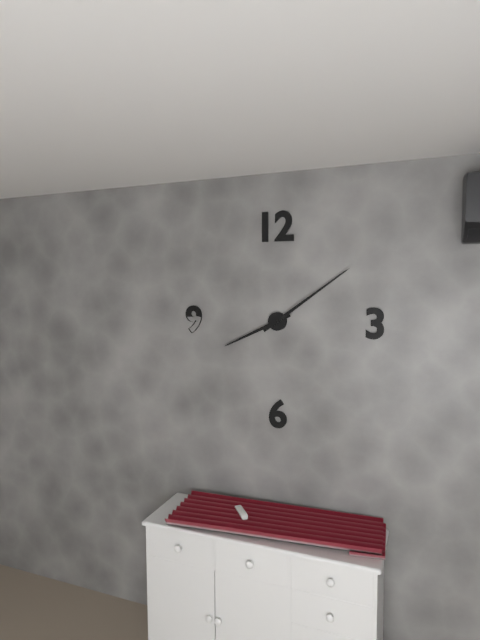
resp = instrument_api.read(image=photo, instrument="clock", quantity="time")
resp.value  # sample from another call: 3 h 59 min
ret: 8 h 09 min
